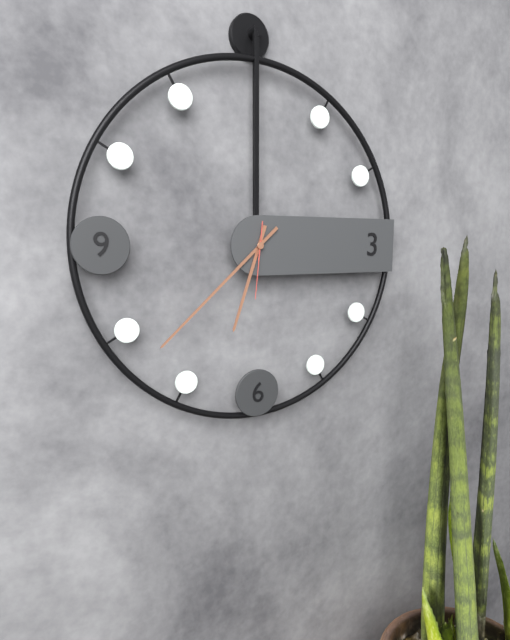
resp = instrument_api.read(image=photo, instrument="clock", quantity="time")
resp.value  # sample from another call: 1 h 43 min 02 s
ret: 6 h 38 min 31 s
